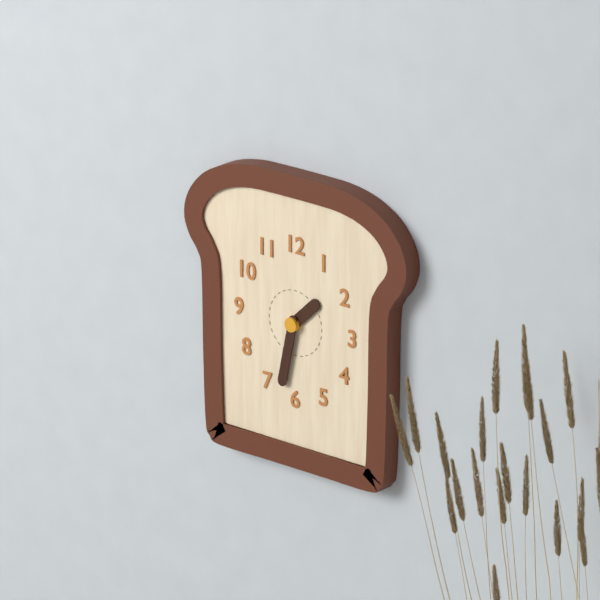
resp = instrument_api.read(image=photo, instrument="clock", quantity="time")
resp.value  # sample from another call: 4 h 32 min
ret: 1 h 32 min
